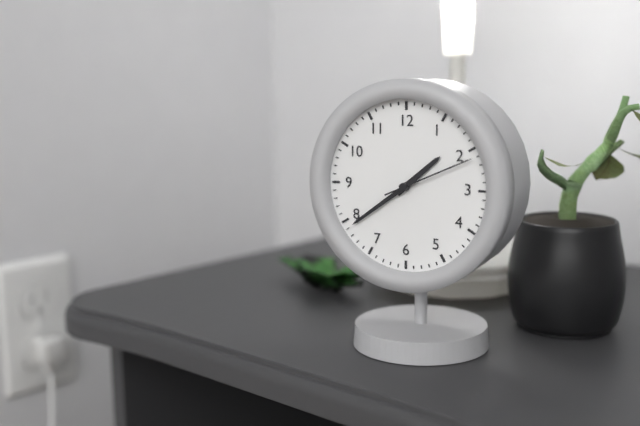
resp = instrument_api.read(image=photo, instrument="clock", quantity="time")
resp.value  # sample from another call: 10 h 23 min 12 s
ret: 1 h 39 min 11 s
